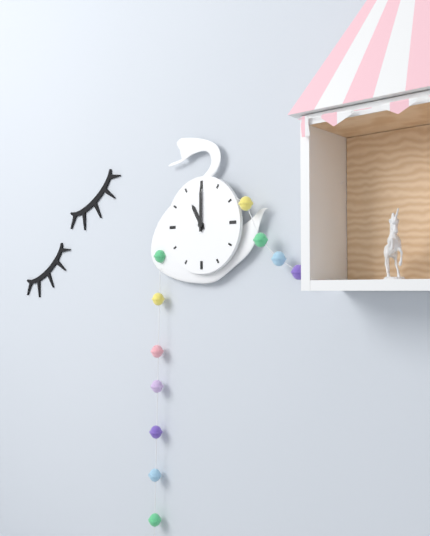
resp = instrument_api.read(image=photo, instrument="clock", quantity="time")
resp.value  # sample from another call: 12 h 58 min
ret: 11 h 00 min
